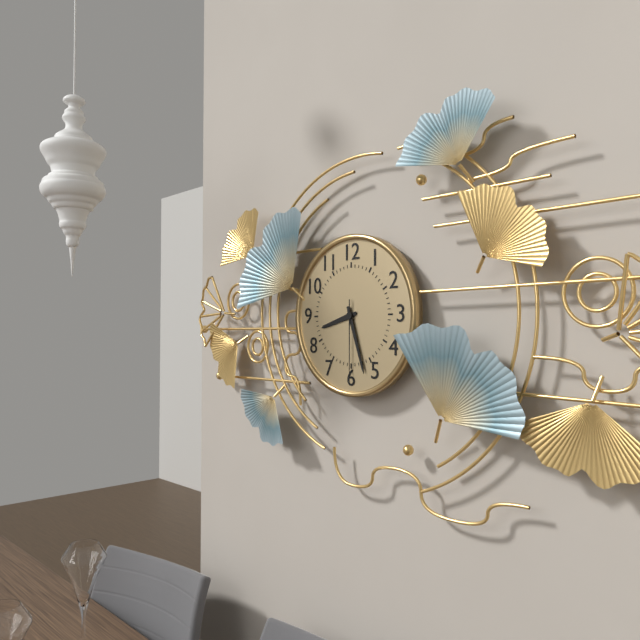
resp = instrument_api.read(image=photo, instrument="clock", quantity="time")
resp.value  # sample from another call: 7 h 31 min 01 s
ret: 8 h 27 min 30 s
